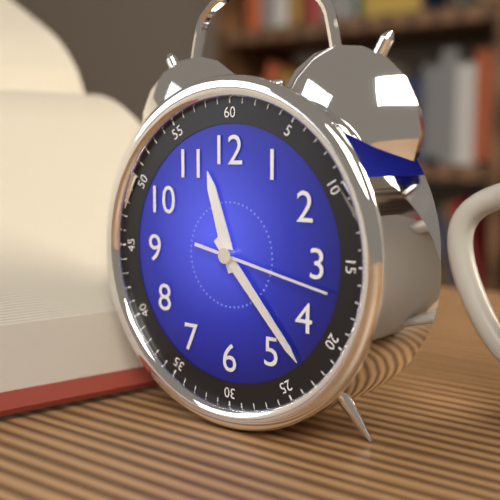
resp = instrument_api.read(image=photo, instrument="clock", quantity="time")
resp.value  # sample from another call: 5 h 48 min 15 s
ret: 11 h 23 min 17 s
